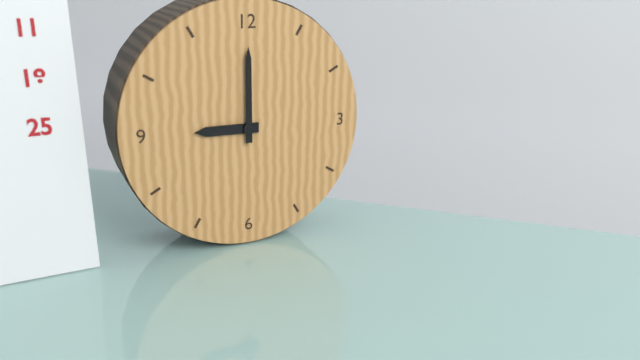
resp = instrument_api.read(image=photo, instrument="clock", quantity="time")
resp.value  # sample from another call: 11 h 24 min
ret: 9 h 00 min
